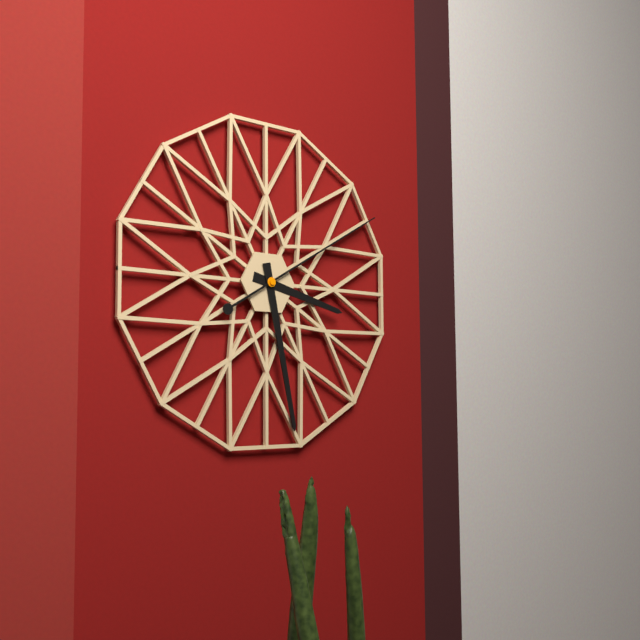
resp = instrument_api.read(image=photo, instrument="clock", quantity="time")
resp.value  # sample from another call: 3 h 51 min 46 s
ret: 3 h 28 min 10 s
